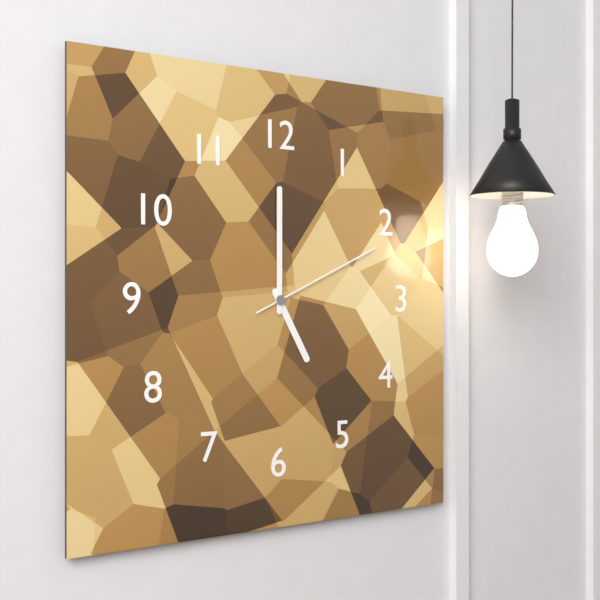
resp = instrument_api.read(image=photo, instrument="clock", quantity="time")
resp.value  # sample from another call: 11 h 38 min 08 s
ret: 5 h 00 min 11 s
